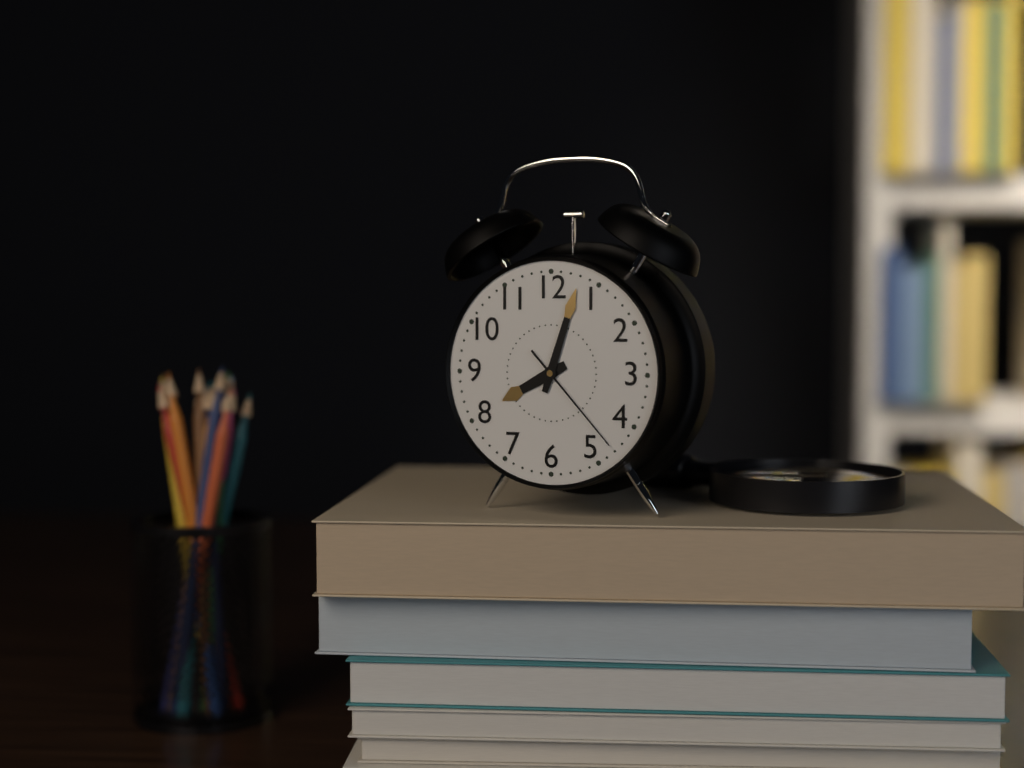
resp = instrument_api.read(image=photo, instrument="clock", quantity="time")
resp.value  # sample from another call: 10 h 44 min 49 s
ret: 8 h 03 min 23 s
